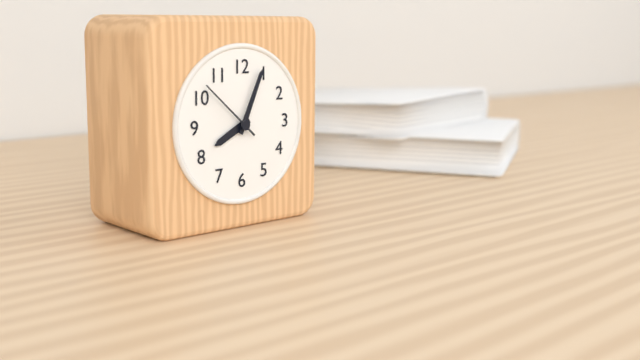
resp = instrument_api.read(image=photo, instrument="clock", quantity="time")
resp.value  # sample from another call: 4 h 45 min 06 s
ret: 8 h 04 min 52 s
